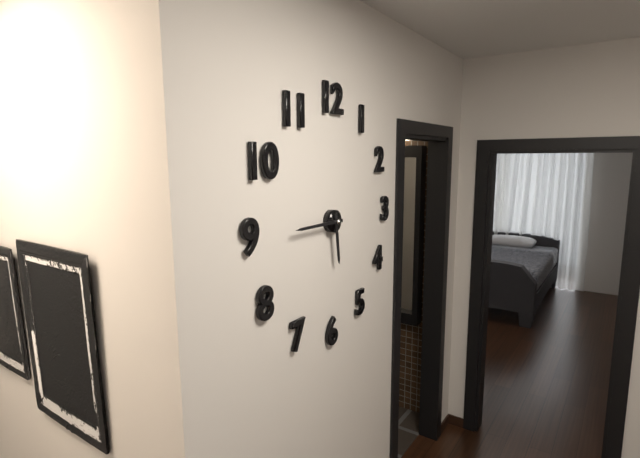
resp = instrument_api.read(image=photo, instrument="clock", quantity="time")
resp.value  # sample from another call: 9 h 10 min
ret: 5 h 45 min
